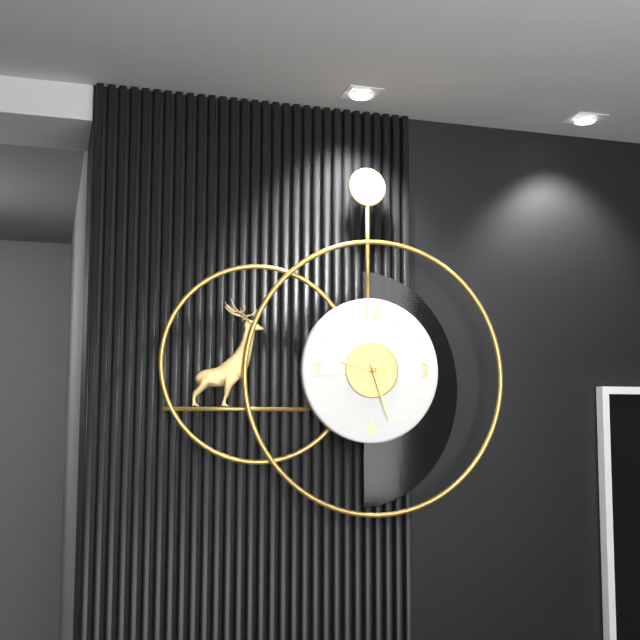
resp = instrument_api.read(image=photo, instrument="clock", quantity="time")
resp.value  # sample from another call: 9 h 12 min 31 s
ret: 9 h 27 min 44 s
